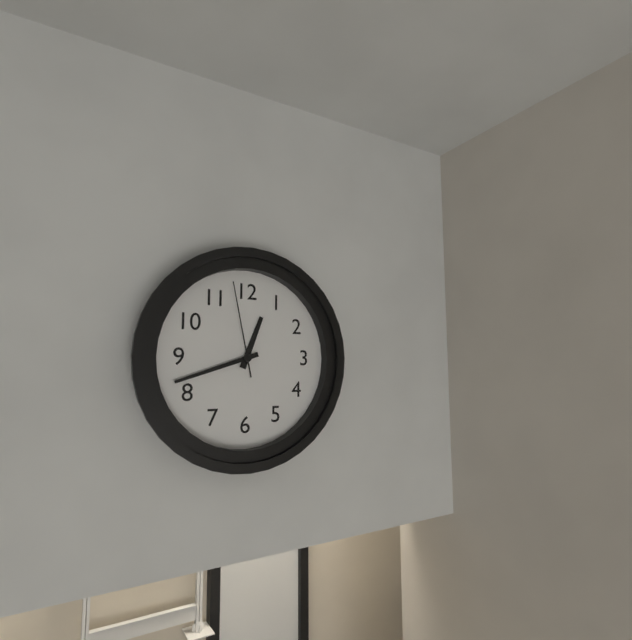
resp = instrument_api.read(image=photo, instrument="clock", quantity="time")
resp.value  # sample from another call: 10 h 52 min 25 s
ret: 12 h 42 min 58 s
